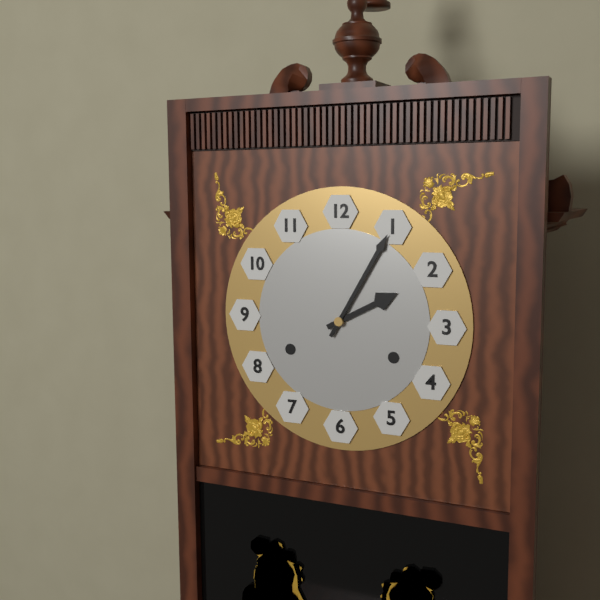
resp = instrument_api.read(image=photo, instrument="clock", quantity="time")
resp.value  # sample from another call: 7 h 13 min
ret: 2 h 05 min
